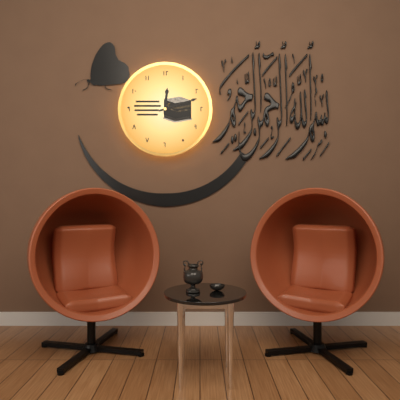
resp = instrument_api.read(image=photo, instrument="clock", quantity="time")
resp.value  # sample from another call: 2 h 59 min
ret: 12 h 12 min
